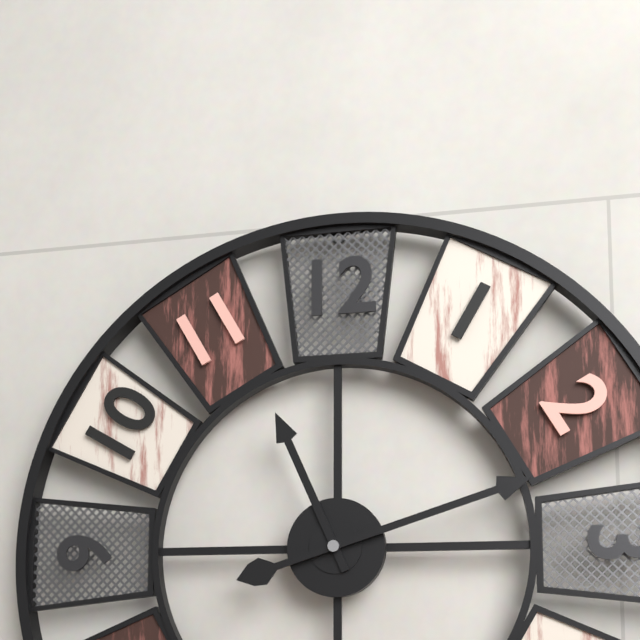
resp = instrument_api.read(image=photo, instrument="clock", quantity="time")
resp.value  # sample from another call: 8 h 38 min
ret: 11 h 12 min
